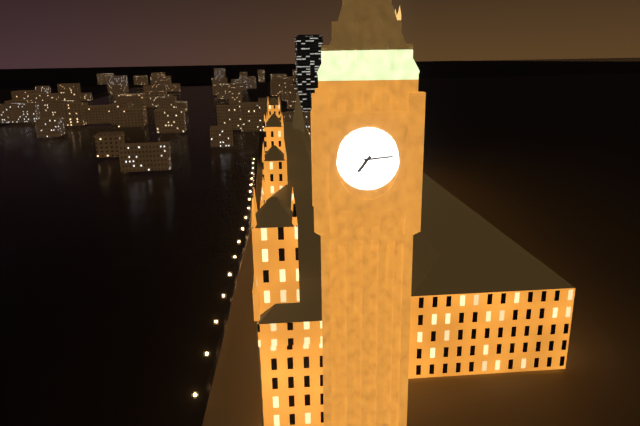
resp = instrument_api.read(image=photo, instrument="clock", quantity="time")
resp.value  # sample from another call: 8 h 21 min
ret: 7 h 14 min
